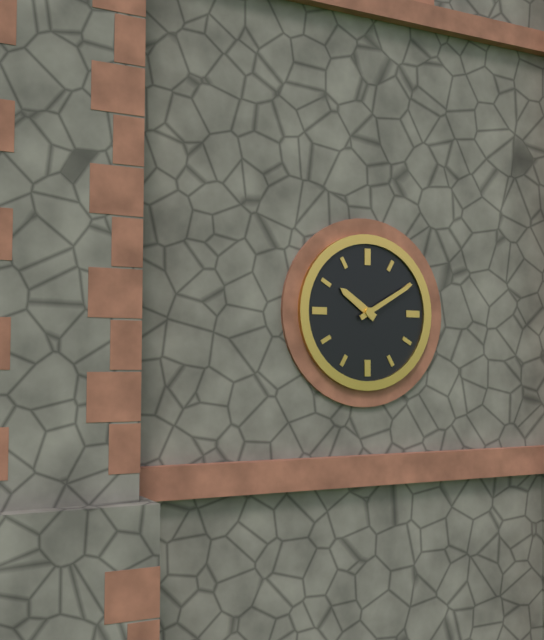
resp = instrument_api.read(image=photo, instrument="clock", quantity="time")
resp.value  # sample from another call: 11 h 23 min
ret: 10 h 10 min
